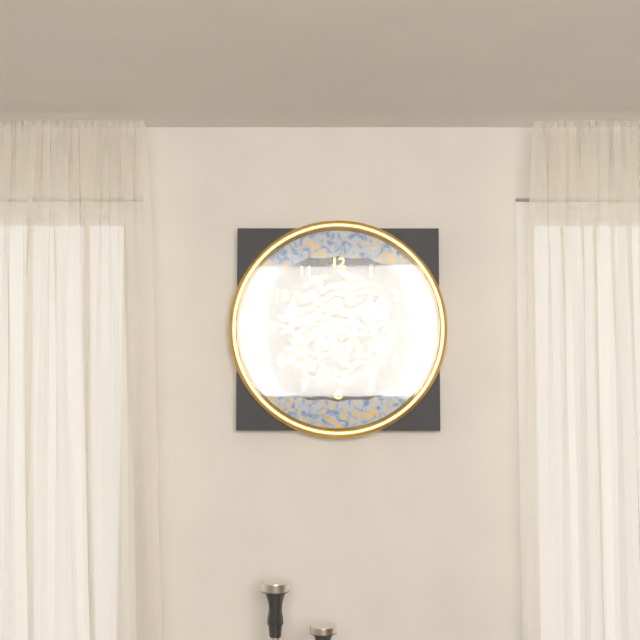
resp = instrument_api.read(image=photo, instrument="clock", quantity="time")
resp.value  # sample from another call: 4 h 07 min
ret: 1 h 47 min
